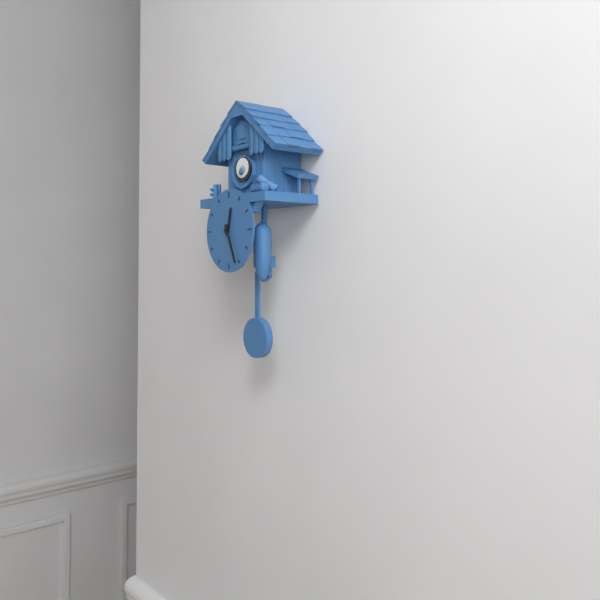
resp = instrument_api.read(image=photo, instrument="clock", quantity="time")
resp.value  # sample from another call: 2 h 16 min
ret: 12 h 26 min
